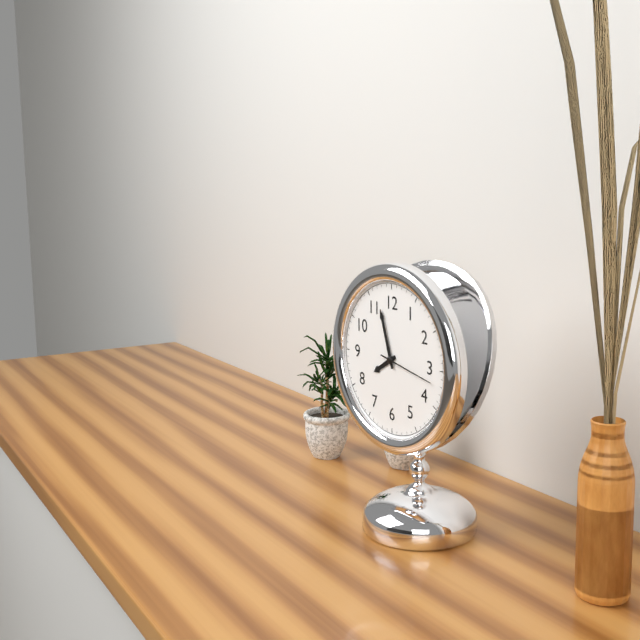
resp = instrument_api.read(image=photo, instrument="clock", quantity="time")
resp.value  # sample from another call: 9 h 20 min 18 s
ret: 7 h 57 min 17 s
